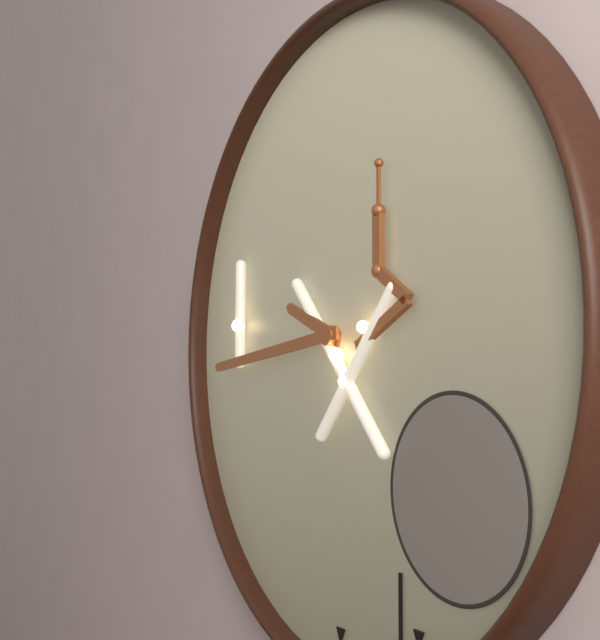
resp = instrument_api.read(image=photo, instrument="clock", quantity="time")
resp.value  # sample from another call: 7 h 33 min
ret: 9 h 44 min
